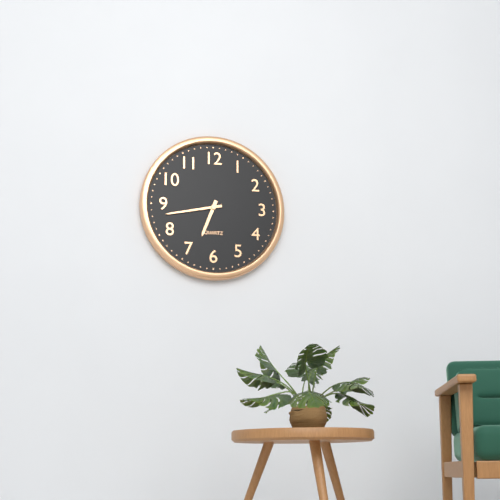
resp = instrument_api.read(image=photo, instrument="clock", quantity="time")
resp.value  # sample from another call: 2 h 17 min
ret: 6 h 43 min
